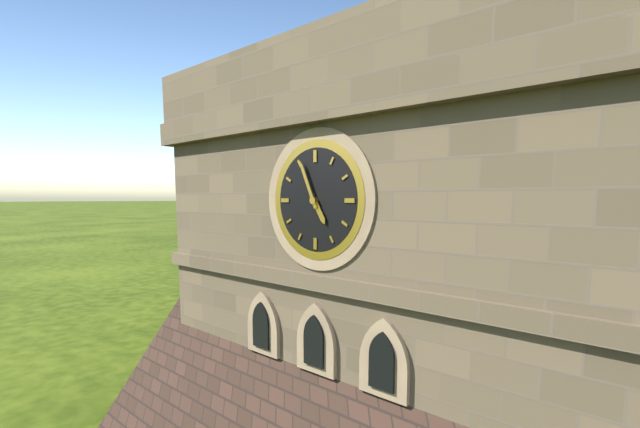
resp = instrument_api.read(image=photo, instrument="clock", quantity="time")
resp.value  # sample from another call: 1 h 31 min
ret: 4 h 56 min
